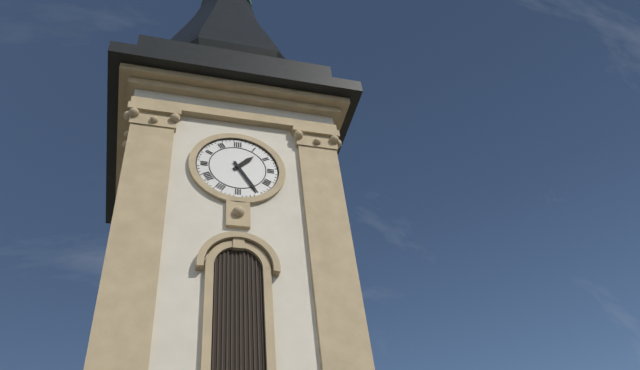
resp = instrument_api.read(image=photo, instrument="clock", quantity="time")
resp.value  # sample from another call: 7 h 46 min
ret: 1 h 25 min
